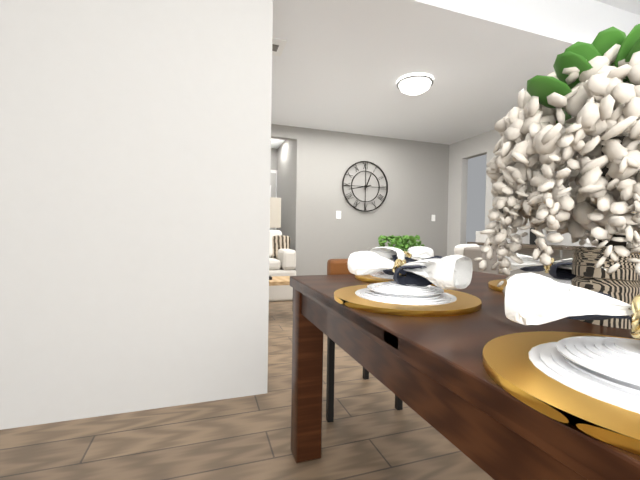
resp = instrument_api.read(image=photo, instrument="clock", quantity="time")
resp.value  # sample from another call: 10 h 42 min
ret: 12 h 43 min
